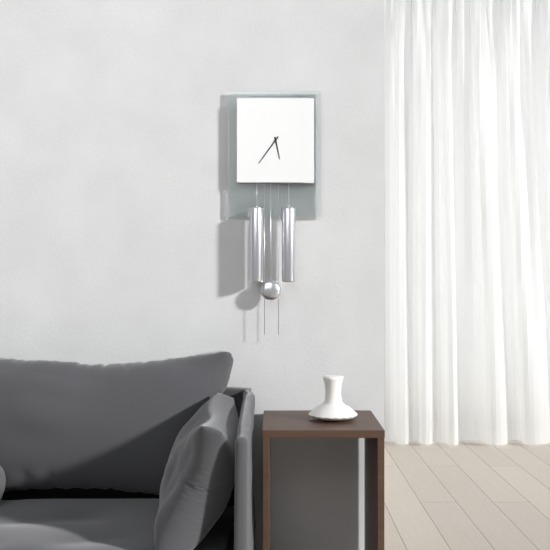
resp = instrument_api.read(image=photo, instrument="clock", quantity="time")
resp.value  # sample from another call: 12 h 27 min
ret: 5 h 36 min
